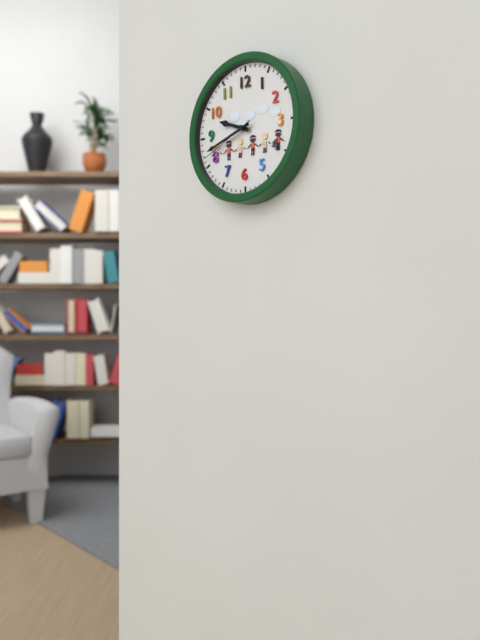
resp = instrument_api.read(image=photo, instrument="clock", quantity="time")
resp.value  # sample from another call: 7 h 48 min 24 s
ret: 9 h 42 min 41 s
